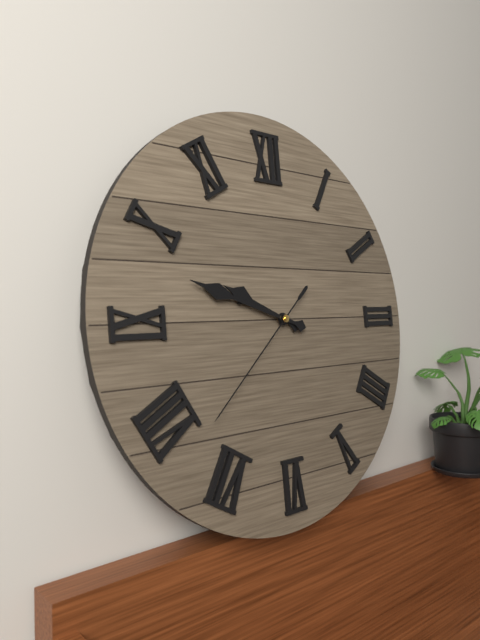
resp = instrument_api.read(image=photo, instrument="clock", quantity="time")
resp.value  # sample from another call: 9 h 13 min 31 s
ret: 9 h 48 min 38 s
